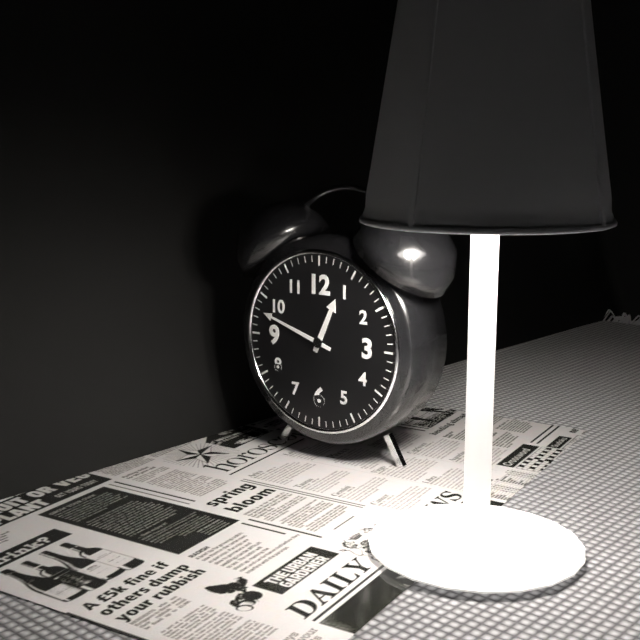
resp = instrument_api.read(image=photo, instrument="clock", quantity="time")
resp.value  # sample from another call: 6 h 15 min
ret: 12 h 48 min
